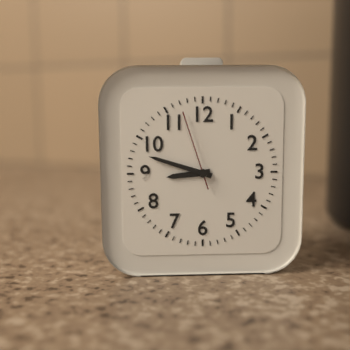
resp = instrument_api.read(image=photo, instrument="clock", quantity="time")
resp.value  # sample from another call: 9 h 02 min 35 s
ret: 8 h 48 min 57 s
